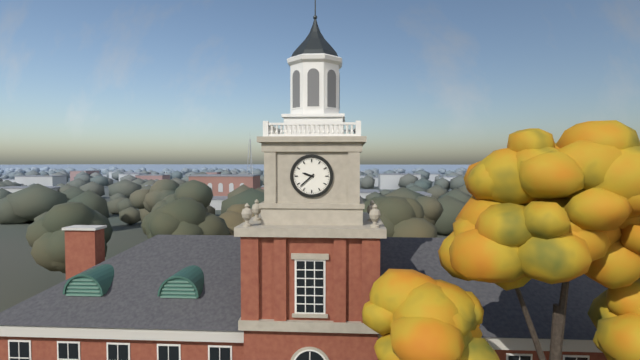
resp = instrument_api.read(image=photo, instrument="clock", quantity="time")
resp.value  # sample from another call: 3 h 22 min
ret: 9 h 38 min
